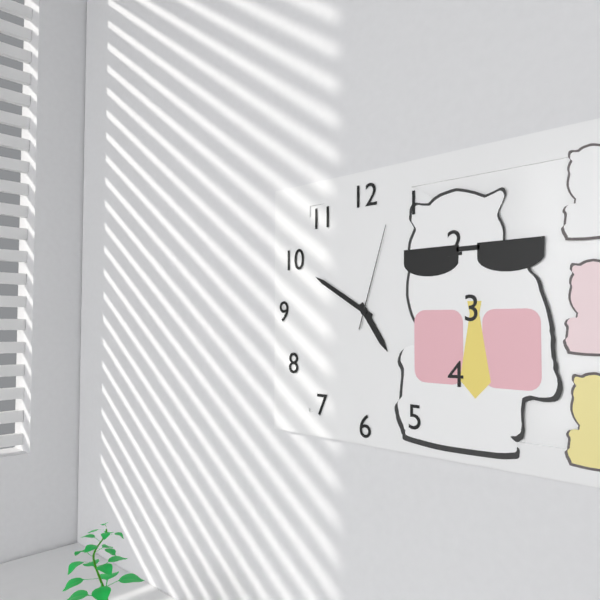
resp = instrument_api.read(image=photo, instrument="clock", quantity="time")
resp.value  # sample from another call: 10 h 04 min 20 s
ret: 4 h 50 min 03 s
